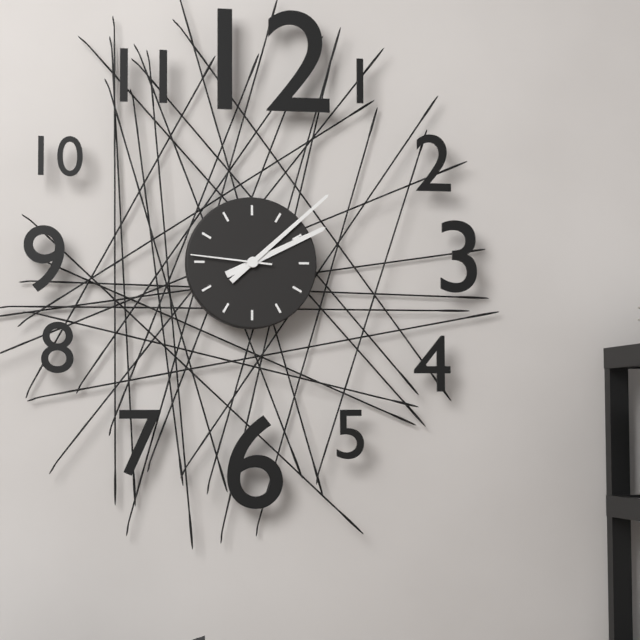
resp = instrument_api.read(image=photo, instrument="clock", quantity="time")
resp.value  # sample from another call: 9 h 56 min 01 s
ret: 2 h 08 min 46 s
